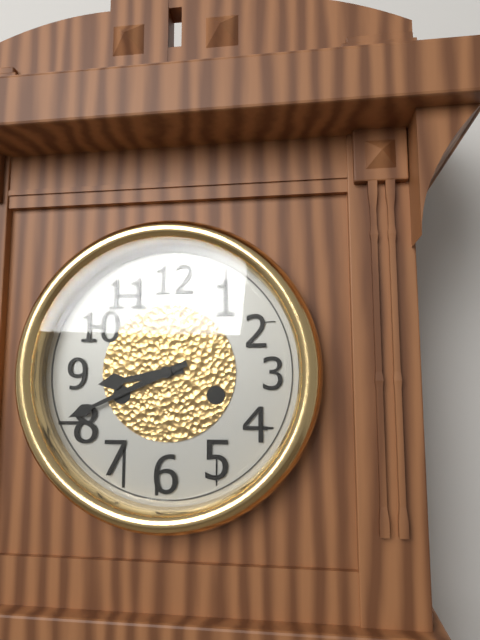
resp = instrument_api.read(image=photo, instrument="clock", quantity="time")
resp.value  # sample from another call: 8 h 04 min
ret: 8 h 41 min
